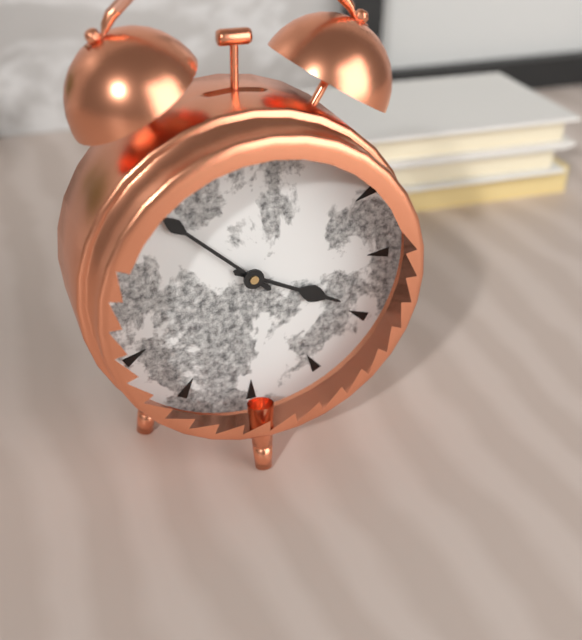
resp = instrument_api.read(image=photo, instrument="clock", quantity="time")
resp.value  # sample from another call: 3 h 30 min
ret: 3 h 52 min
